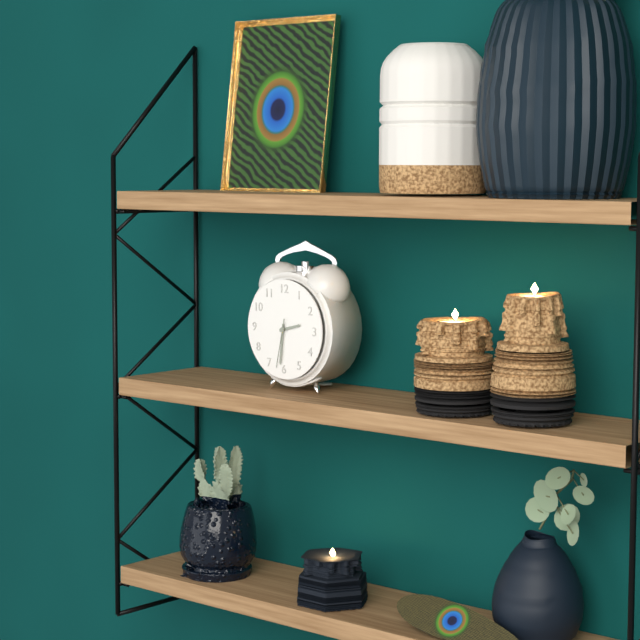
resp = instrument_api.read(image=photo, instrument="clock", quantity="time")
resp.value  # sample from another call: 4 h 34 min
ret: 2 h 31 min
